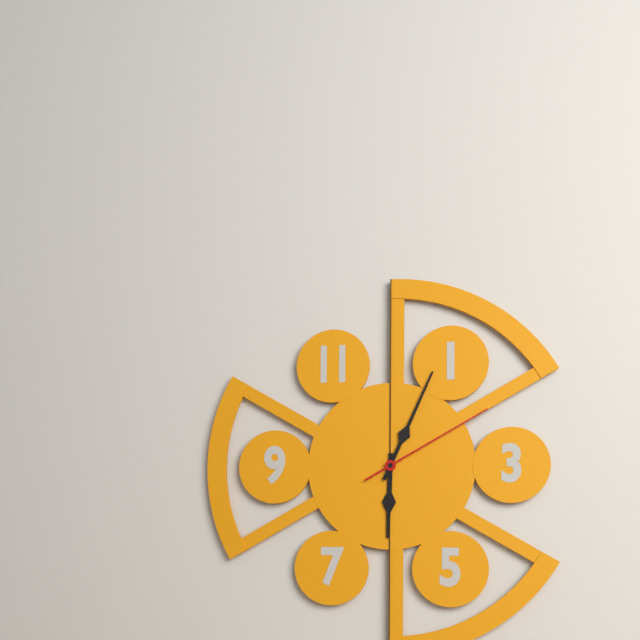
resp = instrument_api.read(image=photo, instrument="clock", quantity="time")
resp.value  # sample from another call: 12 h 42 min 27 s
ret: 6 h 04 min 10 s
